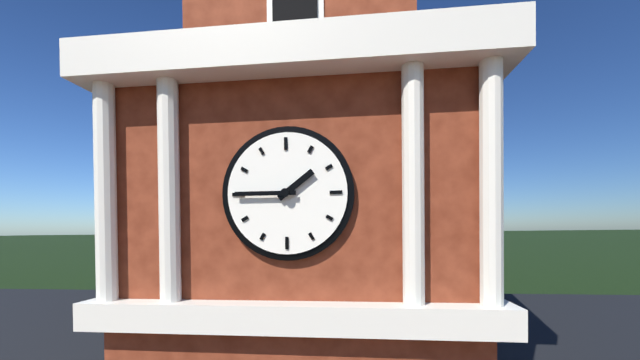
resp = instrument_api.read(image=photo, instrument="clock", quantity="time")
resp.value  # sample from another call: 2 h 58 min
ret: 1 h 45 min
